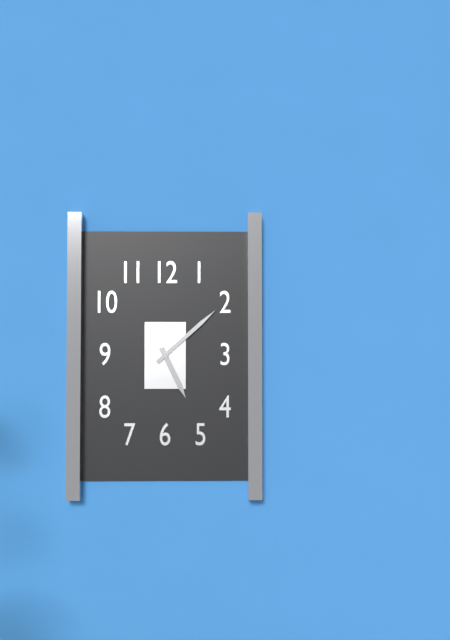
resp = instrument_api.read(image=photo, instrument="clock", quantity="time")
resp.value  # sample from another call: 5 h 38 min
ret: 5 h 08 min
